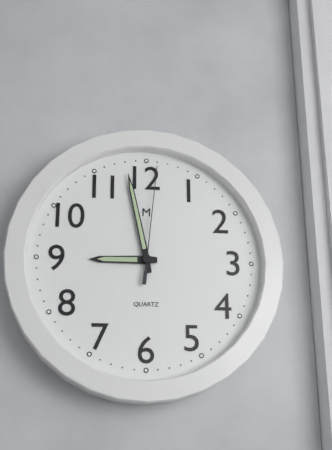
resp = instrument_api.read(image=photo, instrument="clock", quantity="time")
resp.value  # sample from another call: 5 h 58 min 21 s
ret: 8 h 58 min 01 s
